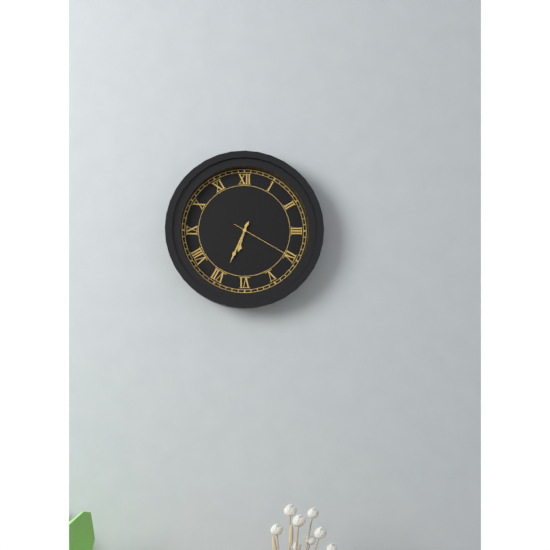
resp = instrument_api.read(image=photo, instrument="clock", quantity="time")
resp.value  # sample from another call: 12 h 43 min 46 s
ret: 6 h 34 min 20 s
